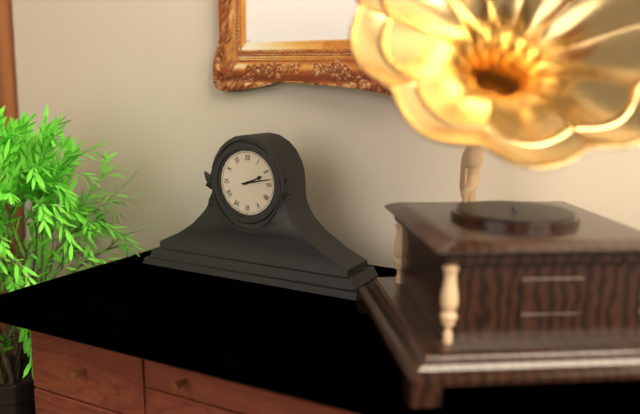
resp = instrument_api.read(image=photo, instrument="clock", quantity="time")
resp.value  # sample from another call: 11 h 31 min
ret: 2 h 13 min
